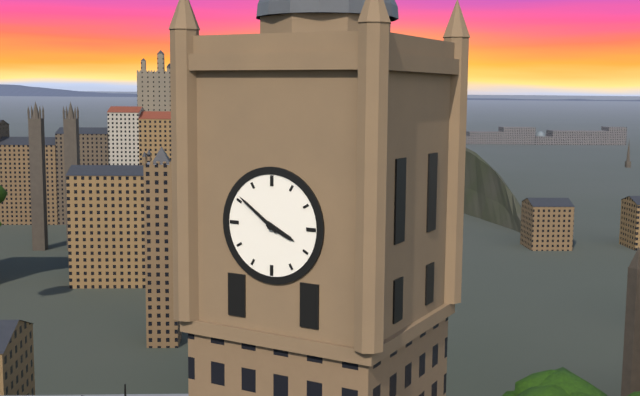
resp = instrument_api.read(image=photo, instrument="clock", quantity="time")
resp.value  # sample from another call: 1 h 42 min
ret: 3 h 51 min
